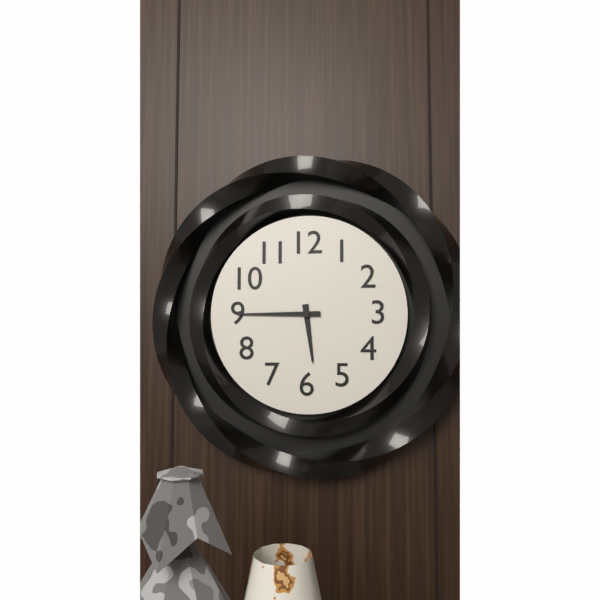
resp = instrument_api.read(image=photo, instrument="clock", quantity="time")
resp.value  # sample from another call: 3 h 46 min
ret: 5 h 45 min
